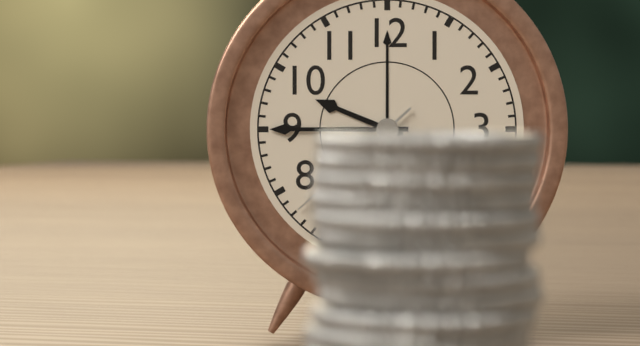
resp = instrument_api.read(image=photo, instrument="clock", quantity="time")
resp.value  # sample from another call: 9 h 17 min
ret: 9 h 45 min
